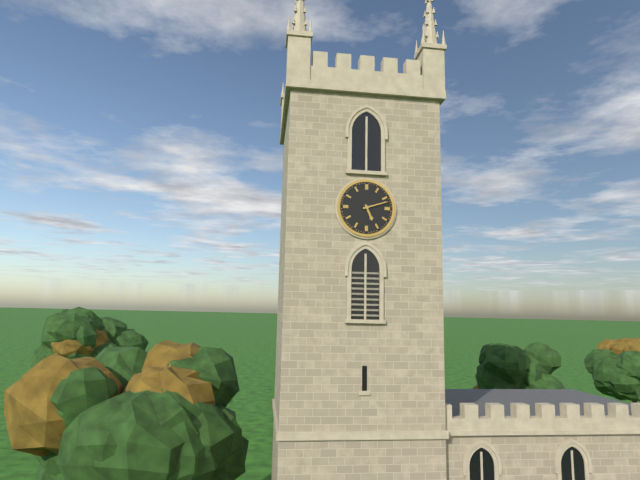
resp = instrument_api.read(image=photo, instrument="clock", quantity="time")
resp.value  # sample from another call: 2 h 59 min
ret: 5 h 12 min
